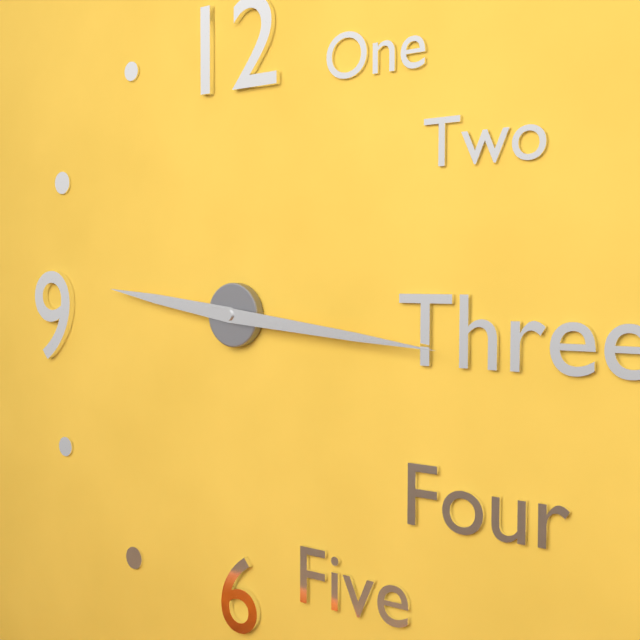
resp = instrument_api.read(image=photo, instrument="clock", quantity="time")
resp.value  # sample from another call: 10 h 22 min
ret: 9 h 16 min
